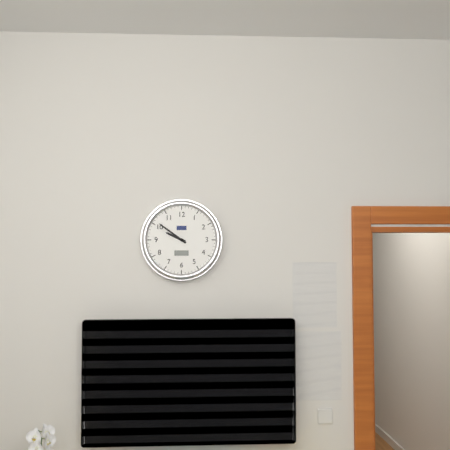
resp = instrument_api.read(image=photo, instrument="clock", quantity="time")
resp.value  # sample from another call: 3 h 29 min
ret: 9 h 51 min
